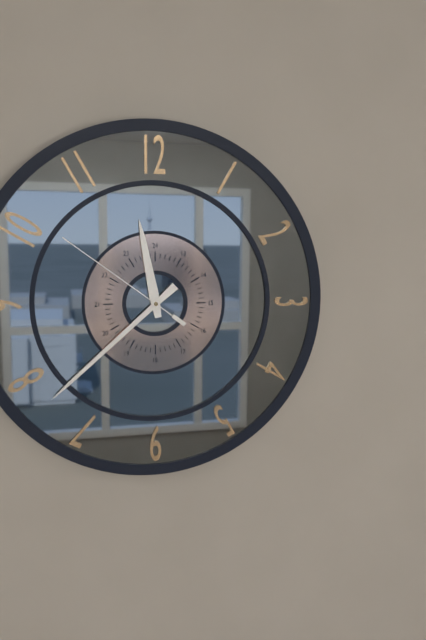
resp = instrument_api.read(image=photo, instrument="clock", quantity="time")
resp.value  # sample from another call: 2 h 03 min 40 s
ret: 11 h 38 min 51 s
